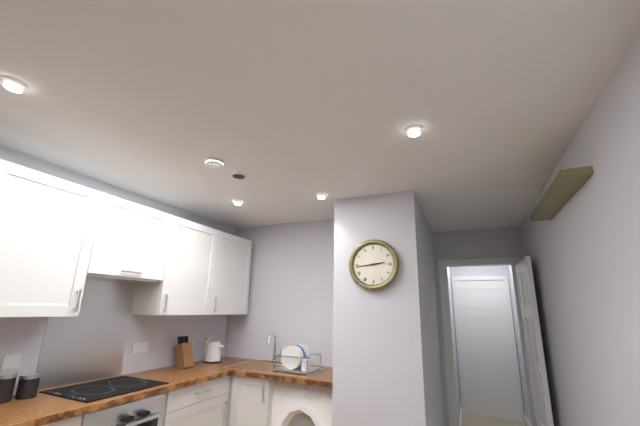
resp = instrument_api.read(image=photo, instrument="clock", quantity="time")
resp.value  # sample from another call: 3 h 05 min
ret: 2 h 44 min
